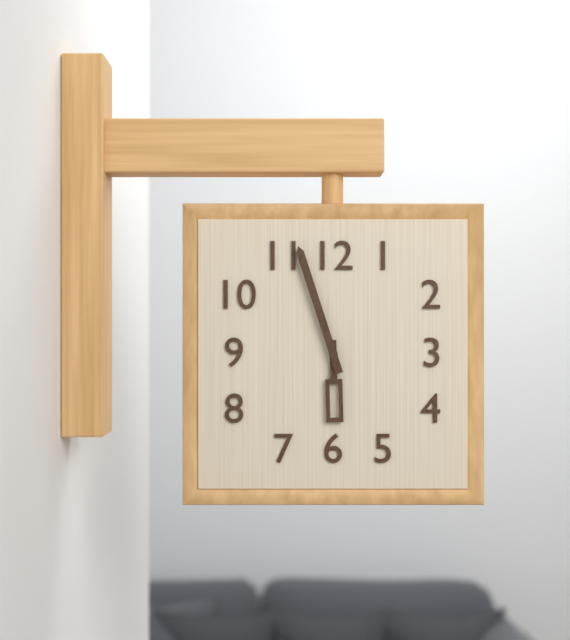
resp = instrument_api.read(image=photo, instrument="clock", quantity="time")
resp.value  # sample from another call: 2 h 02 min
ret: 5 h 57 min
